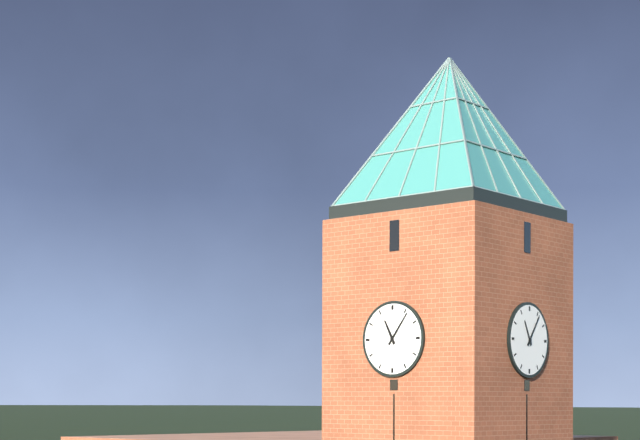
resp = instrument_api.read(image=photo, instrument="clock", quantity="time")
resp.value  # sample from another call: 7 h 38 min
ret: 11 h 06 min
